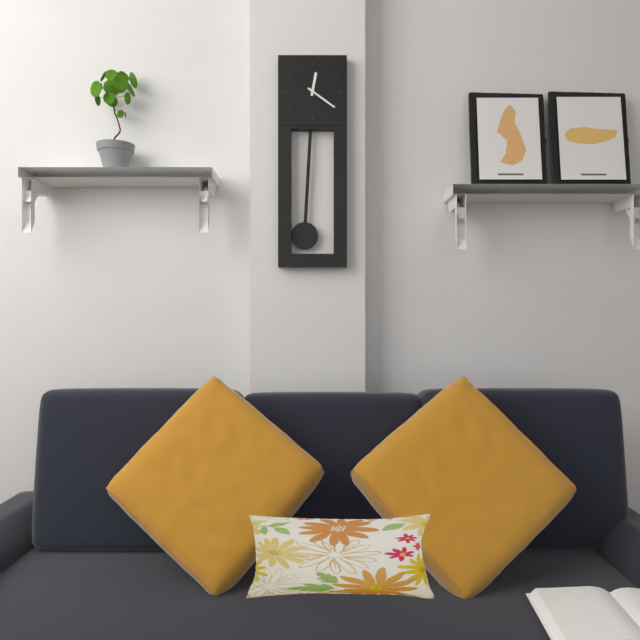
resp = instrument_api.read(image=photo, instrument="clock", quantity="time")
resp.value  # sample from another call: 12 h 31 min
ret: 12 h 21 min
